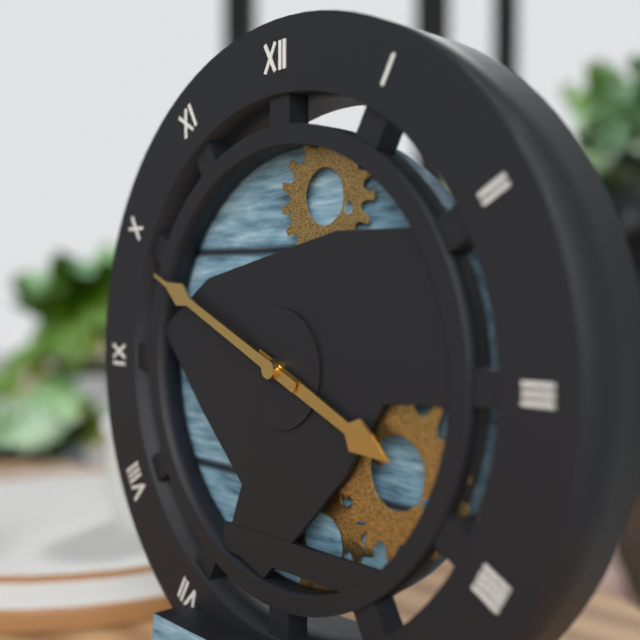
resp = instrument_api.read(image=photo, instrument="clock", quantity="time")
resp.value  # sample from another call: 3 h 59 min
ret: 3 h 49 min
